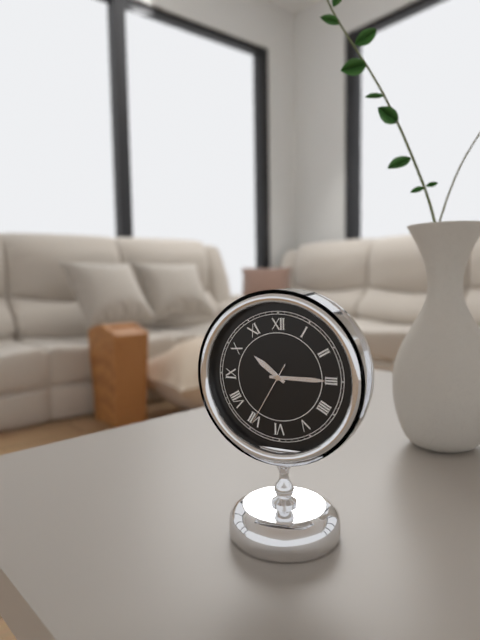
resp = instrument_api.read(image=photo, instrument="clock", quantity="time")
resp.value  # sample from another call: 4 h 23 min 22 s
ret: 10 h 15 min 35 s
